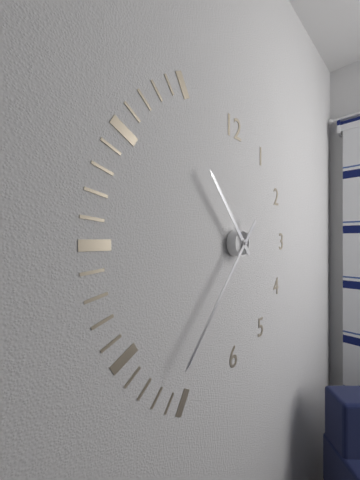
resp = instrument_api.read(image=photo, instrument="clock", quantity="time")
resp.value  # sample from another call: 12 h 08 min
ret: 10 h 37 min
